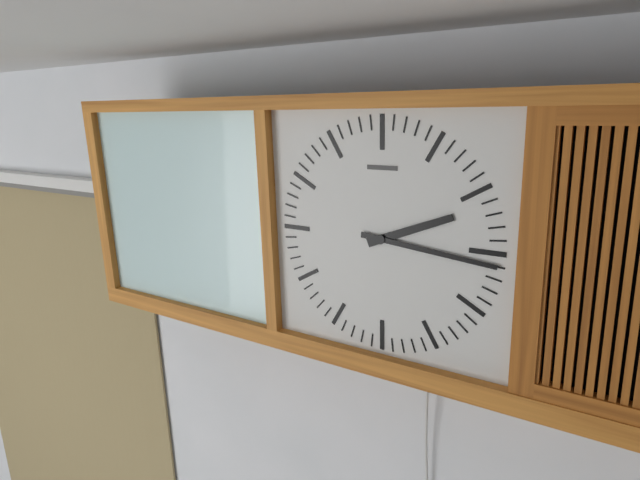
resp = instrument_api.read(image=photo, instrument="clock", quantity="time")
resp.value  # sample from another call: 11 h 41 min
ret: 2 h 16 min
